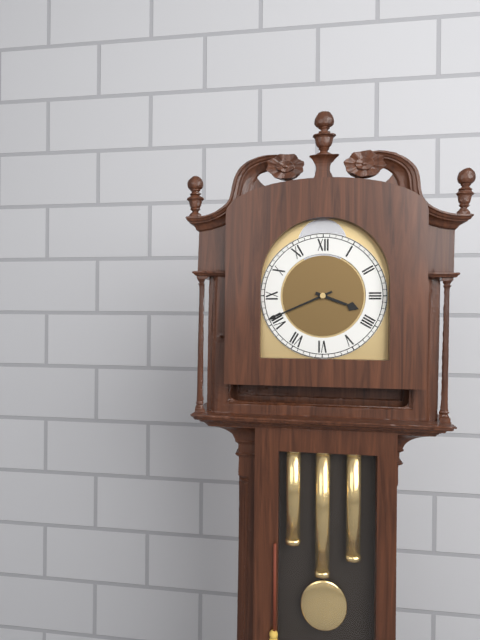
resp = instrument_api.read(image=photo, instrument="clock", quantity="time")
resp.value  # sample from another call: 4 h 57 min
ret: 3 h 41 min
